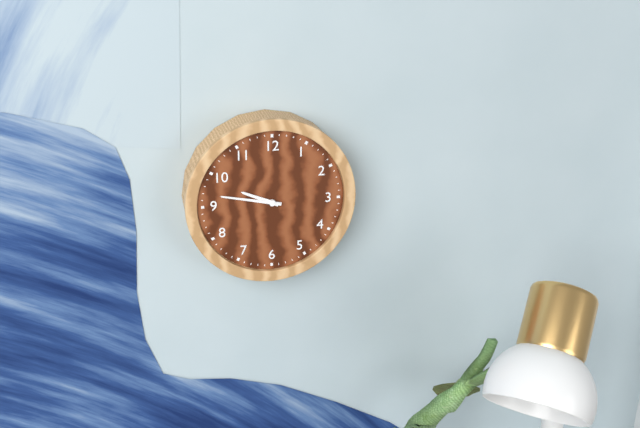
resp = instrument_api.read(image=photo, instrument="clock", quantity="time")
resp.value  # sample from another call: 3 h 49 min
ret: 9 h 47 min
